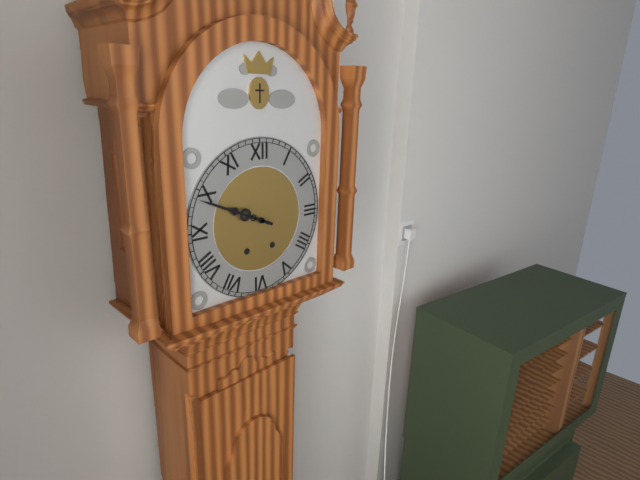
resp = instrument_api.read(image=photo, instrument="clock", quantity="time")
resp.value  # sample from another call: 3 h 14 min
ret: 9 h 49 min
